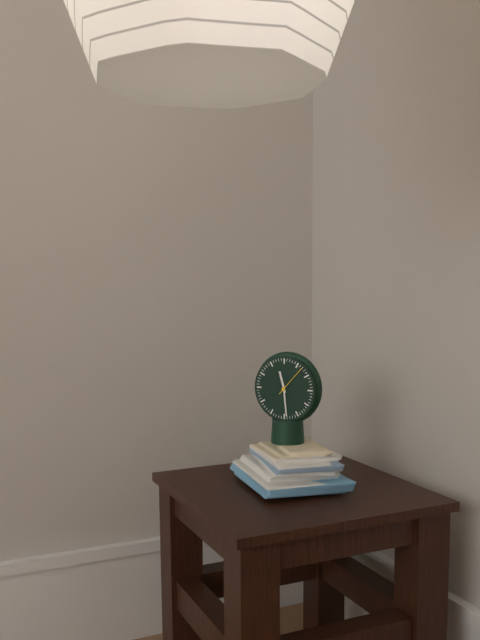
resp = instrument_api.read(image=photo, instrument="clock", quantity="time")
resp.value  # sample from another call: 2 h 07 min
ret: 11 h 29 min
